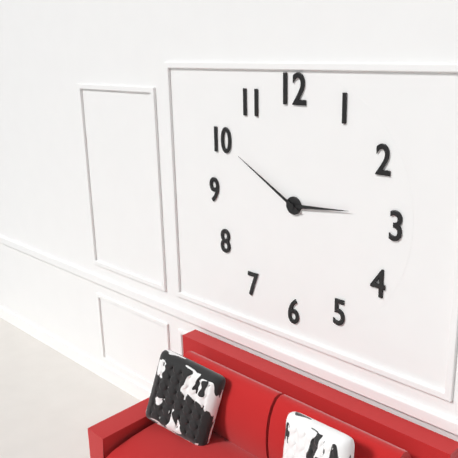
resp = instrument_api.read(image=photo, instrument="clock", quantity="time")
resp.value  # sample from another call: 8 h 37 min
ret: 2 h 50 min
